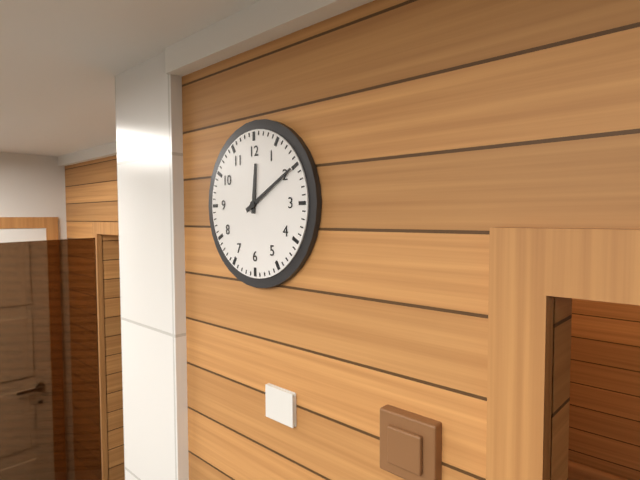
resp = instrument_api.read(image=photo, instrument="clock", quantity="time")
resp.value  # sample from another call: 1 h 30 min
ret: 12 h 10 min
